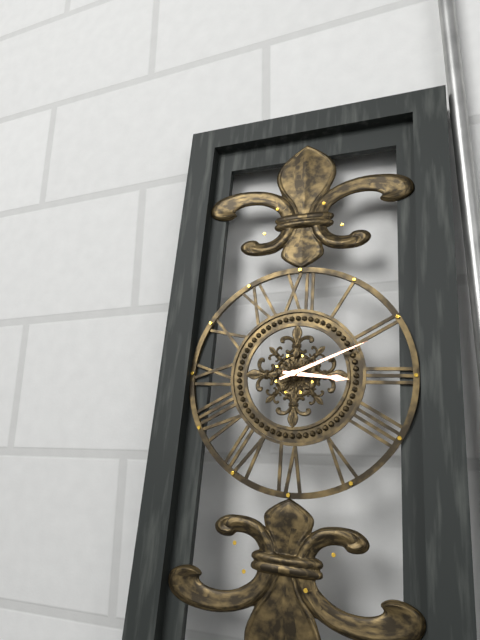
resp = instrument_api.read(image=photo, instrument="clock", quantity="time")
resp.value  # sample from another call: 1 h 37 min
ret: 3 h 11 min
